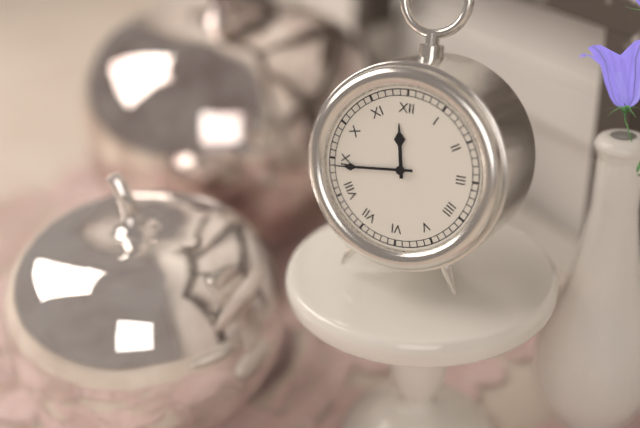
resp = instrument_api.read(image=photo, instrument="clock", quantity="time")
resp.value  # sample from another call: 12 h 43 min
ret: 11 h 44 min
